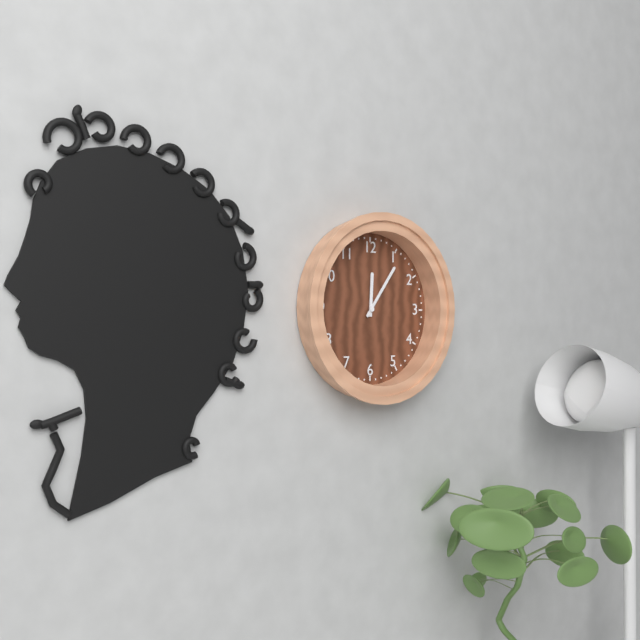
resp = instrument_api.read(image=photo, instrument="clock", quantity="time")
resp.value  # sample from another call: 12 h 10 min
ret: 12 h 06 min
